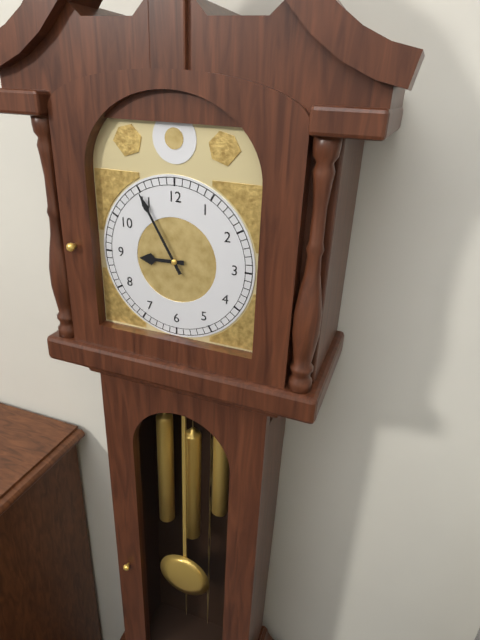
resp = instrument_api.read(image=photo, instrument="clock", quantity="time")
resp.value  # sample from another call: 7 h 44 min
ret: 8 h 55 min
